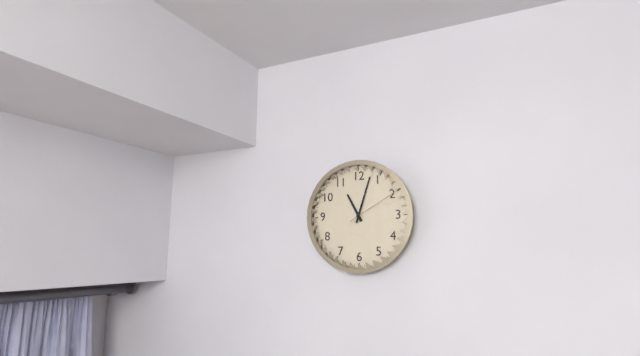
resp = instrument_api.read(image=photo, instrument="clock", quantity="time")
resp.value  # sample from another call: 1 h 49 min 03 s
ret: 11 h 03 min 10 s
